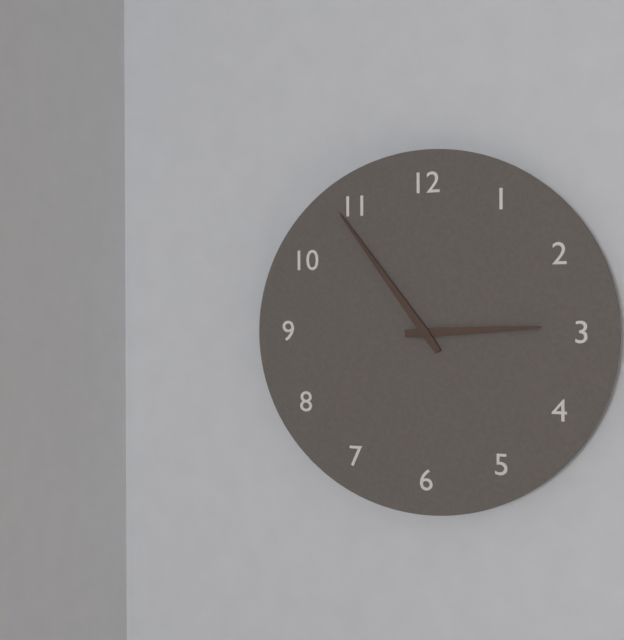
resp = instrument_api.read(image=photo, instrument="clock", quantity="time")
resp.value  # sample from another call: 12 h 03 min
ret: 2 h 54 min
